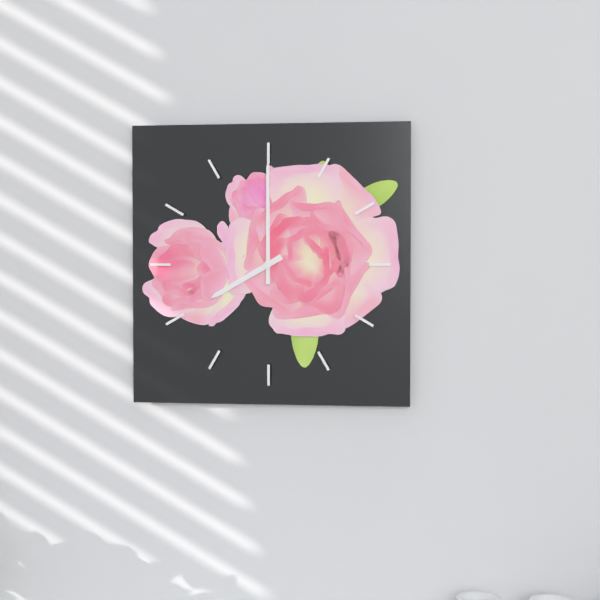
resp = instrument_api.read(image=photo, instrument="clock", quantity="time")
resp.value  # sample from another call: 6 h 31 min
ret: 8 h 00 min
